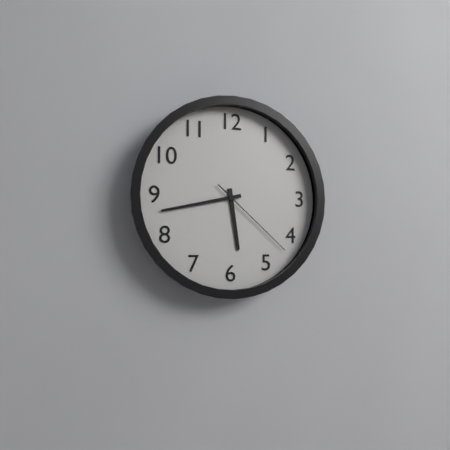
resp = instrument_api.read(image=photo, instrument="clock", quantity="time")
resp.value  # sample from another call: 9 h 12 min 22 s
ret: 5 h 43 min 22 s
